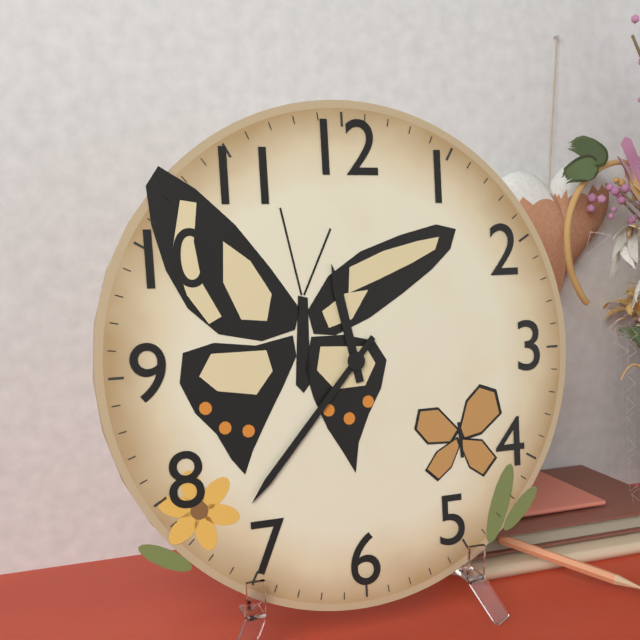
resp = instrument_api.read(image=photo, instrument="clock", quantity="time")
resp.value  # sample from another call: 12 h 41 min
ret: 11 h 37 min
